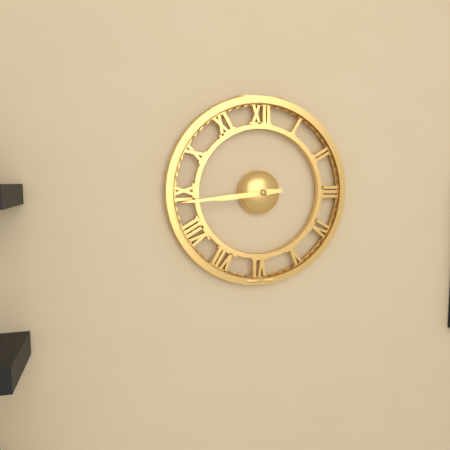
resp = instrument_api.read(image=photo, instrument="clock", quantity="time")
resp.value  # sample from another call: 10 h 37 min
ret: 8 h 44 min
